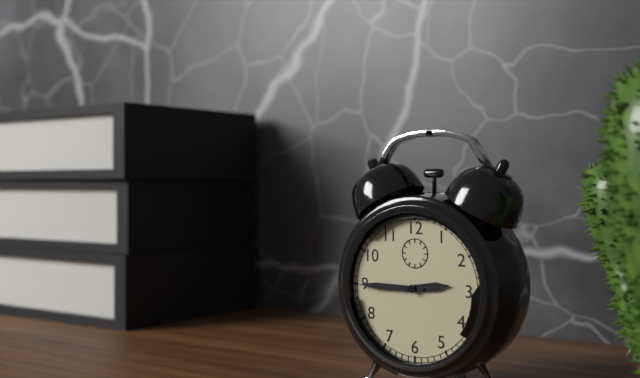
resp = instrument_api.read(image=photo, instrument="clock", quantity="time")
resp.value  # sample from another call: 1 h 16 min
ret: 2 h 45 min
